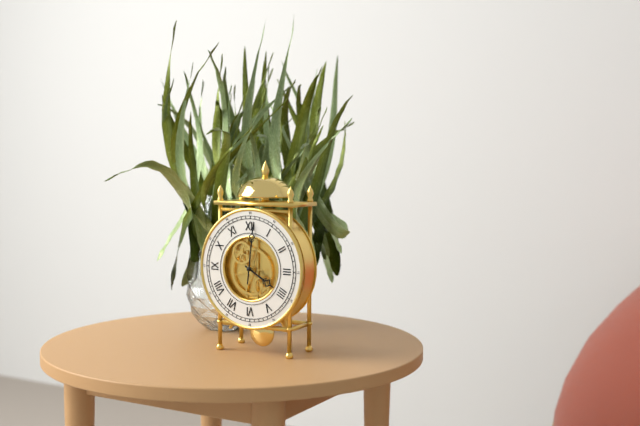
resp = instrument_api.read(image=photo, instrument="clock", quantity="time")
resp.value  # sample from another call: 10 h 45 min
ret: 4 h 01 min
